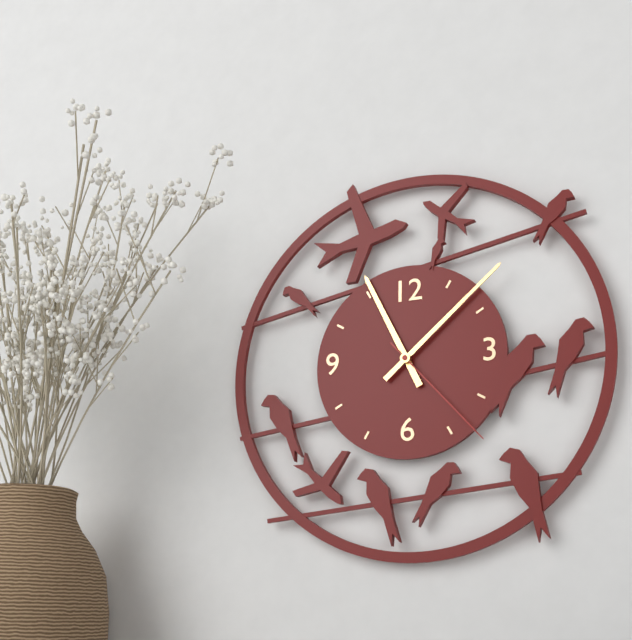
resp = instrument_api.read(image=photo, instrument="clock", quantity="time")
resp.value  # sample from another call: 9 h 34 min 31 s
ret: 11 h 08 min 23 s
